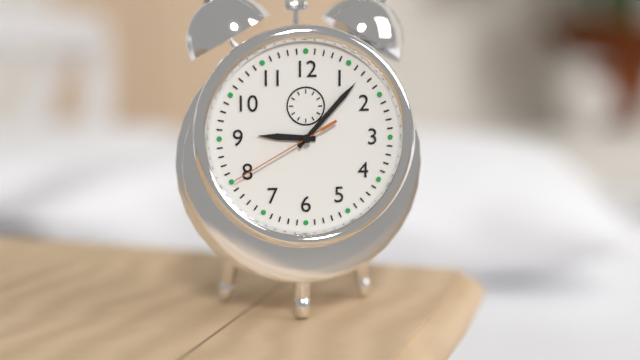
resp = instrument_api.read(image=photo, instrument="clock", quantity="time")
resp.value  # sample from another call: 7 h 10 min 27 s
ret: 9 h 07 min 40 s
